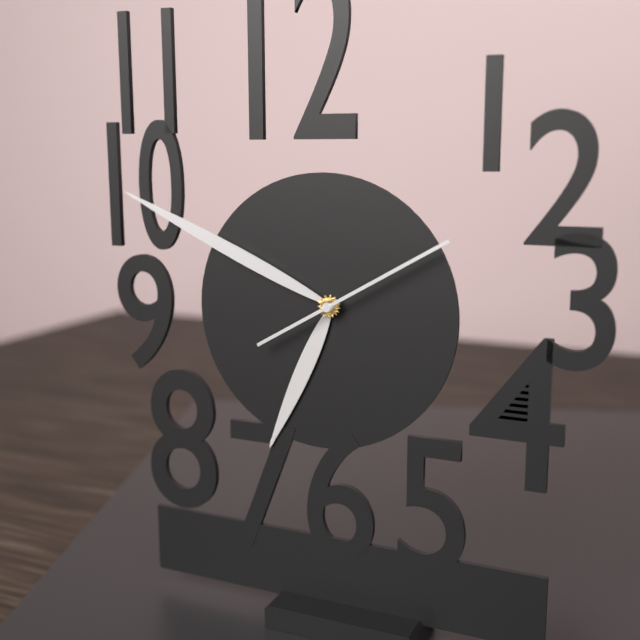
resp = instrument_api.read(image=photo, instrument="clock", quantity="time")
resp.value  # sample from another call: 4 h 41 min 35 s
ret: 6 h 49 min 10 s
